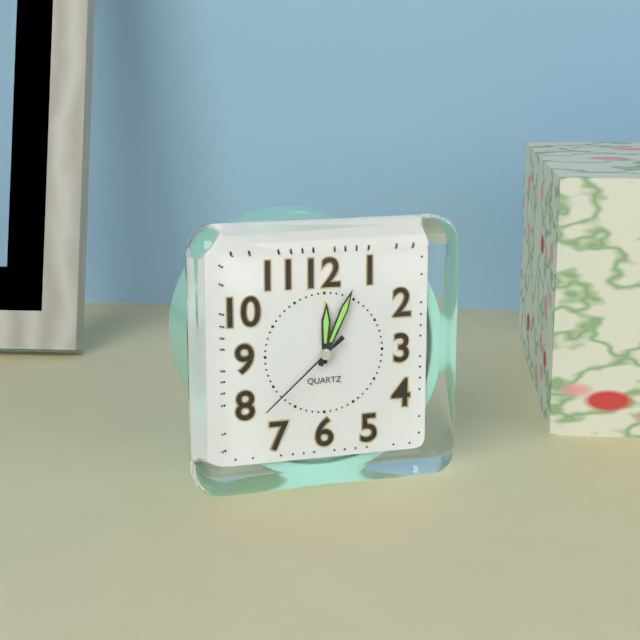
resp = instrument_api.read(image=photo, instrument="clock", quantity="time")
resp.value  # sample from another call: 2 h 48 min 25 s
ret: 12 h 04 min 38 s
